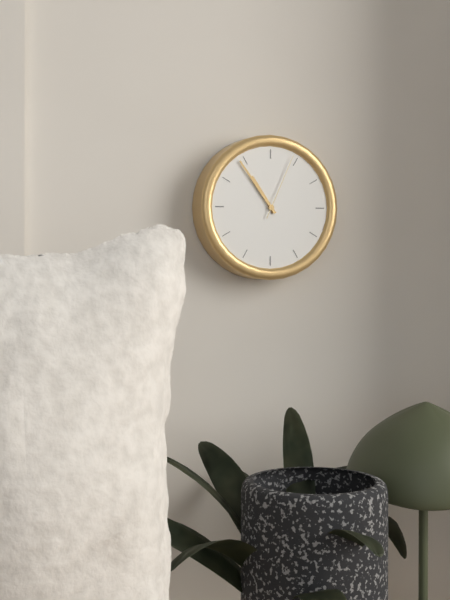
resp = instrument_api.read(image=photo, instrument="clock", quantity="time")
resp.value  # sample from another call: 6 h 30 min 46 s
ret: 10 h 54 min 04 s
